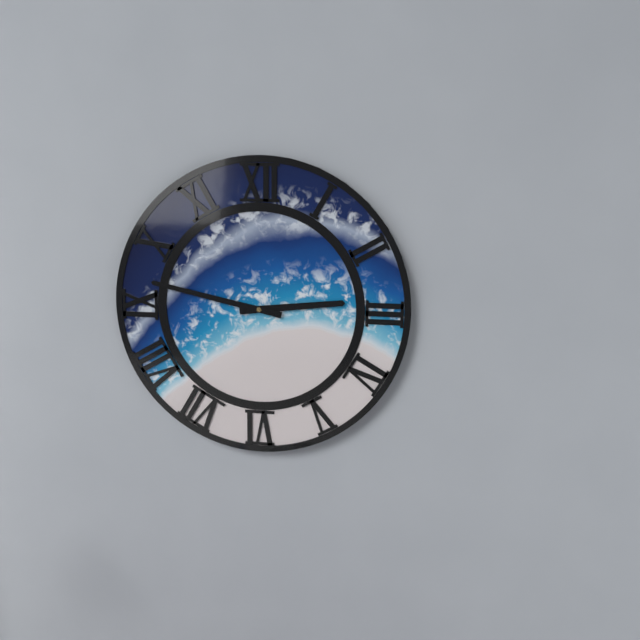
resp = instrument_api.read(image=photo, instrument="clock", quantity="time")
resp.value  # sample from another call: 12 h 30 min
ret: 2 h 47 min
